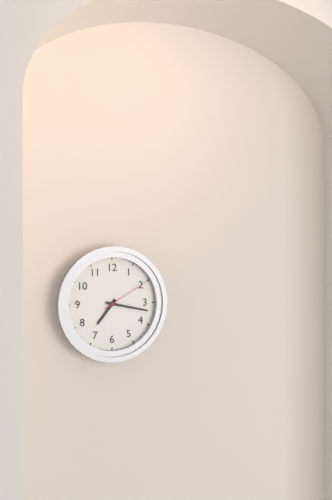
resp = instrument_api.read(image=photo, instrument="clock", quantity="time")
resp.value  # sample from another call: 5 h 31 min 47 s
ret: 7 h 17 min 10 s
